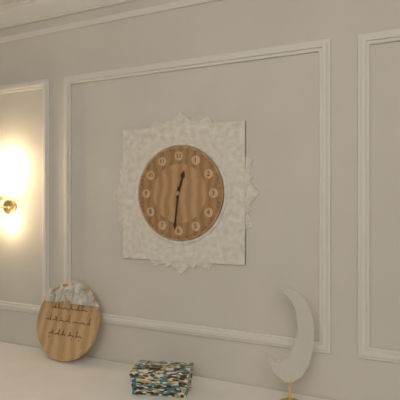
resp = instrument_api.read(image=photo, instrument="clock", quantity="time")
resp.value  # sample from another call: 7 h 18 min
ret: 12 h 31 min
